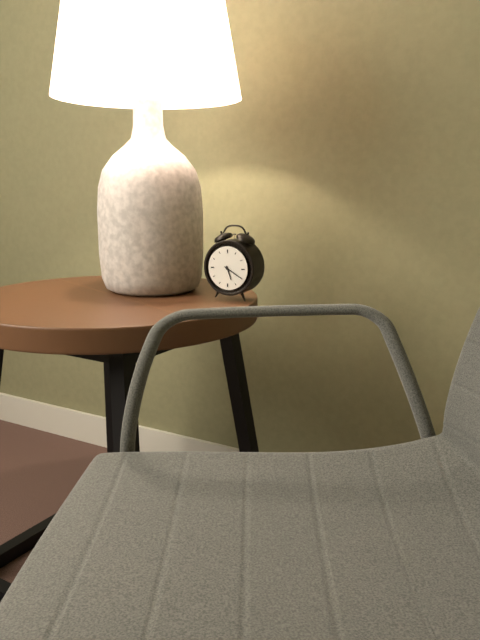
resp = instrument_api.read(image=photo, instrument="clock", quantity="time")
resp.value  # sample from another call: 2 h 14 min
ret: 5 h 20 min
